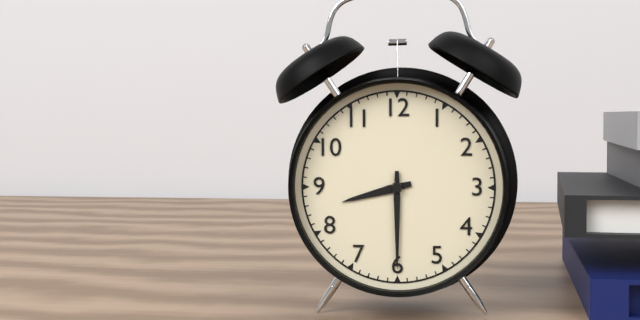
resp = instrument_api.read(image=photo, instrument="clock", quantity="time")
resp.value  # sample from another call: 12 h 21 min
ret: 8 h 30 min
